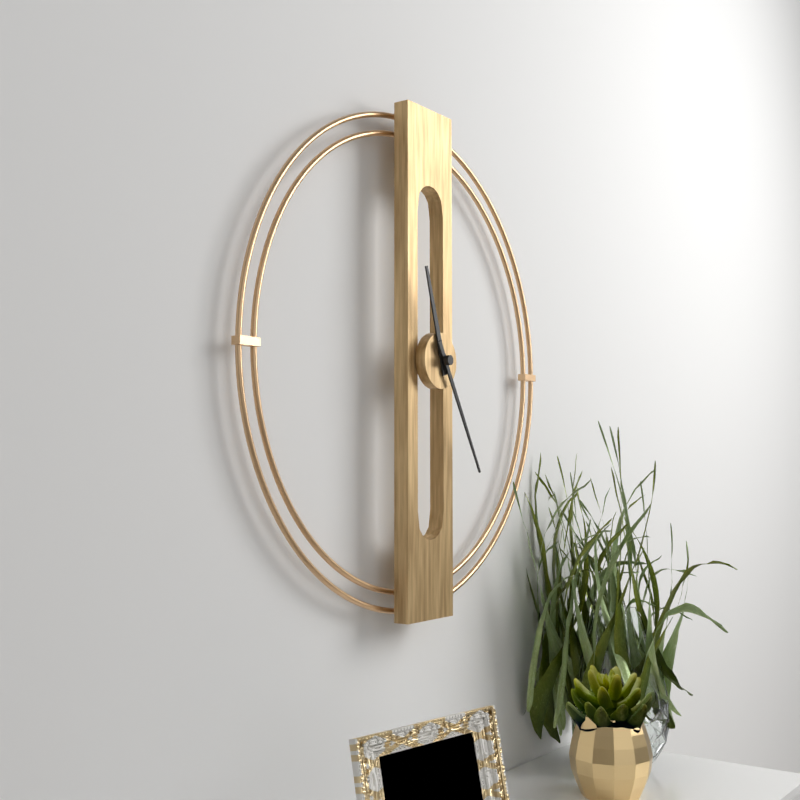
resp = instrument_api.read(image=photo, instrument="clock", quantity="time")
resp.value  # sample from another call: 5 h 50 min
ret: 11 h 25 min
